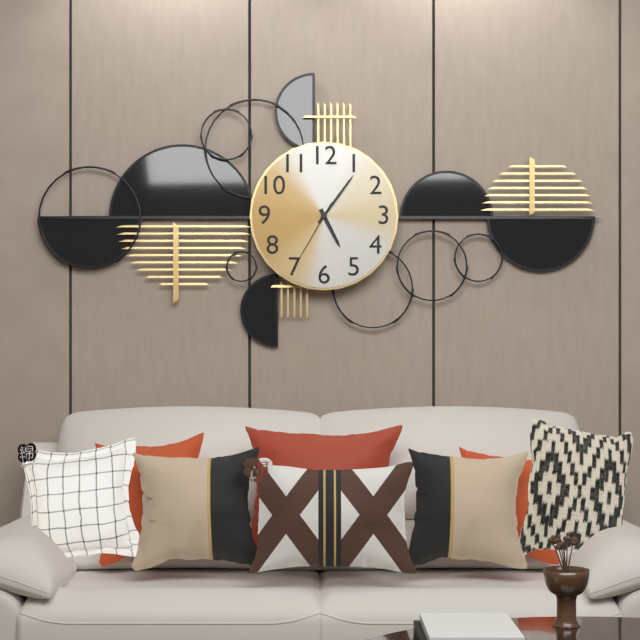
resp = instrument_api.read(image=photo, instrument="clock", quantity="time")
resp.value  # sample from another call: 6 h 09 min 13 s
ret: 5 h 06 min 35 s
